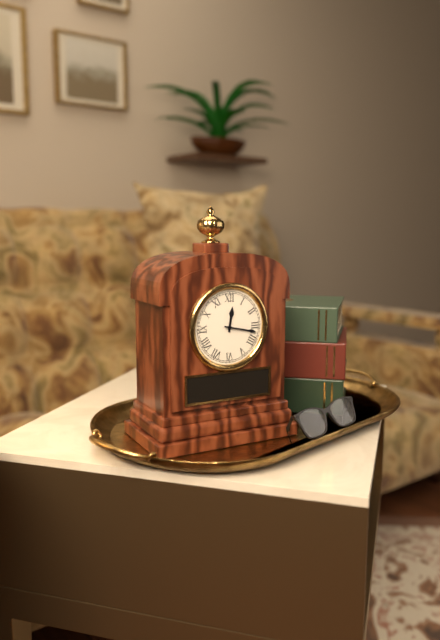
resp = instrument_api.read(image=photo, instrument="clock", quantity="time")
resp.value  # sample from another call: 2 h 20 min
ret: 12 h 17 min
